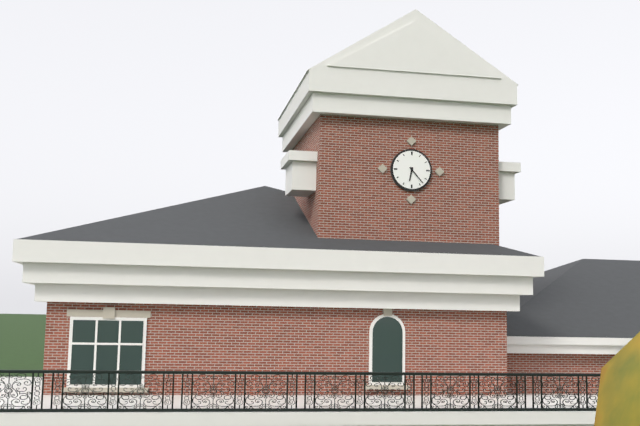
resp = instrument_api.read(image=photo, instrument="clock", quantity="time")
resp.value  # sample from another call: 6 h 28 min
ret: 6 h 23 min
